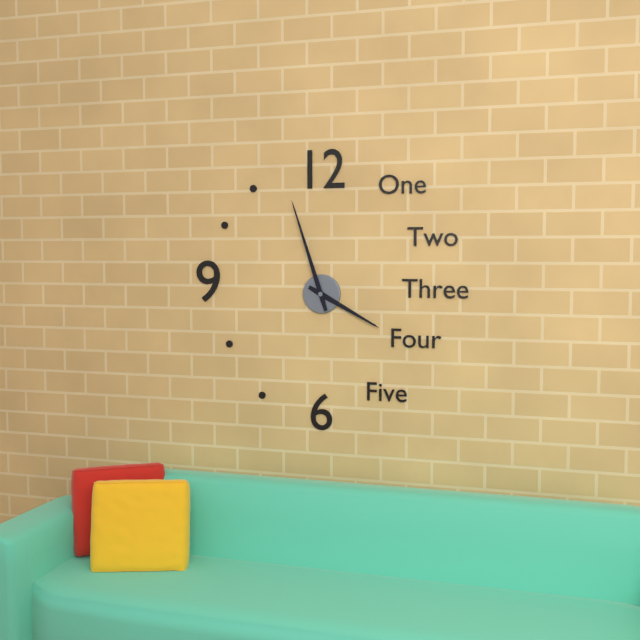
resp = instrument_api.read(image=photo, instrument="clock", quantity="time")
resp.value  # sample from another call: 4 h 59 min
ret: 3 h 57 min
